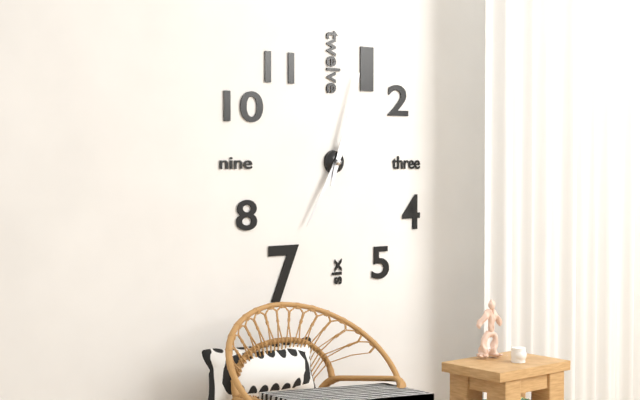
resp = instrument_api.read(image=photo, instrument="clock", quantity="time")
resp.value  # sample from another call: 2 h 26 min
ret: 7 h 03 min
